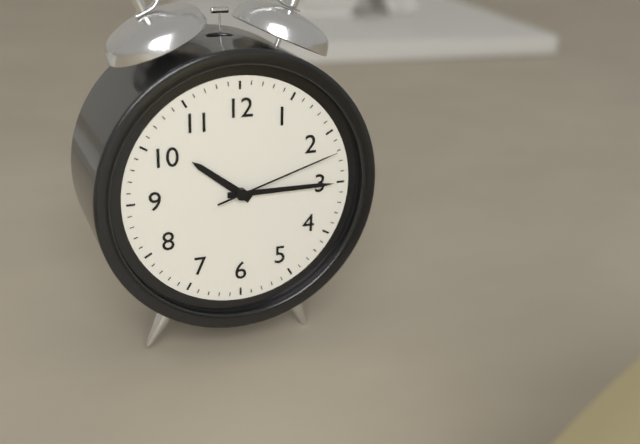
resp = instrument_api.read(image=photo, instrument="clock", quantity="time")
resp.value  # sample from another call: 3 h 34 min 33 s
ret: 10 h 15 min 12 s
